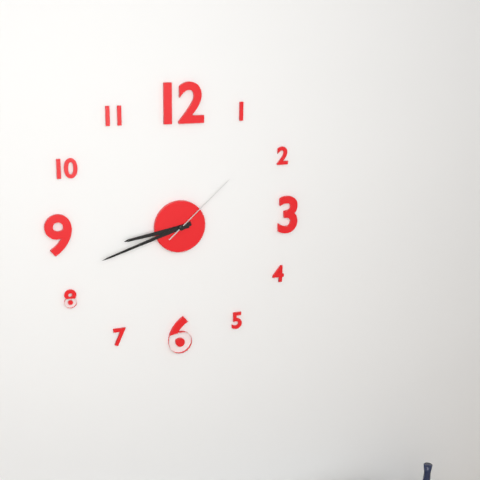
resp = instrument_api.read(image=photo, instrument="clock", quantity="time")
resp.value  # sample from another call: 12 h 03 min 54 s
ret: 8 h 42 min 08 s
